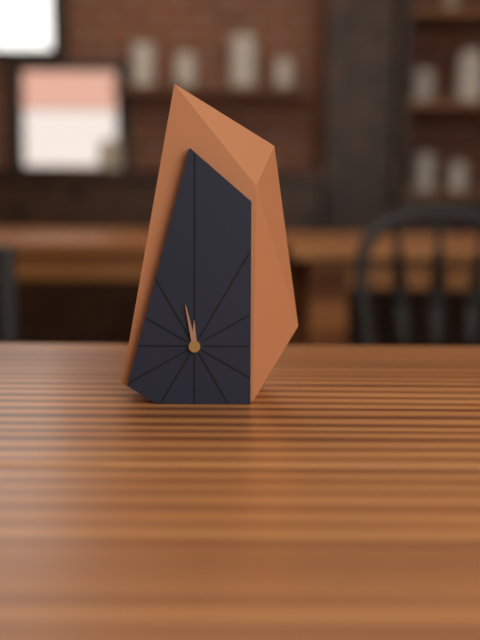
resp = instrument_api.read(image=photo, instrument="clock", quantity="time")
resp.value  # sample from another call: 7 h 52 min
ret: 11 h 58 min
